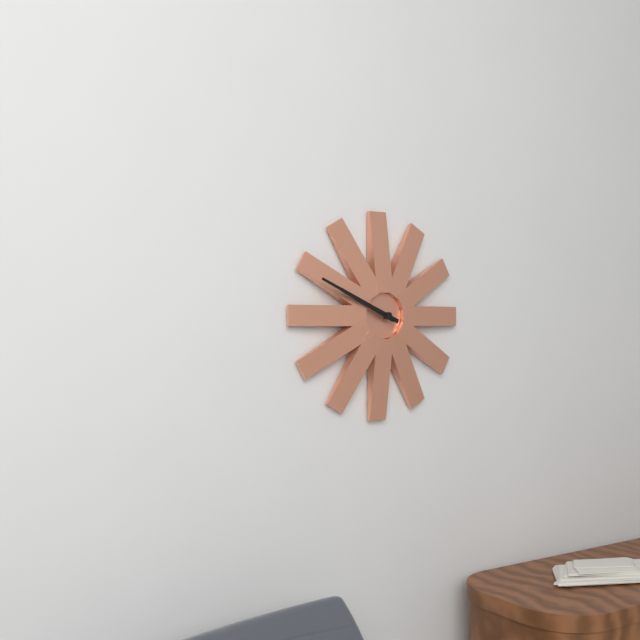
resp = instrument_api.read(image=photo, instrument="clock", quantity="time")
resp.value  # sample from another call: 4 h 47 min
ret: 9 h 49 min
